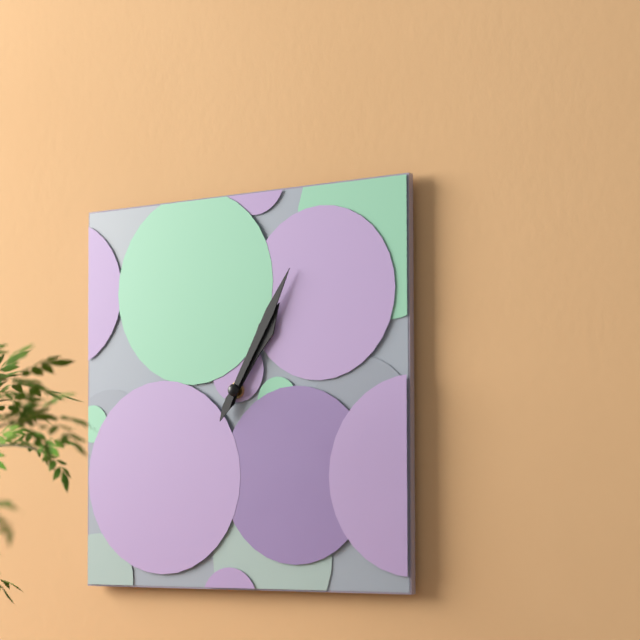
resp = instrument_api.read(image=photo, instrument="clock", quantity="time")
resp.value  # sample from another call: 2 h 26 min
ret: 1 h 05 min
